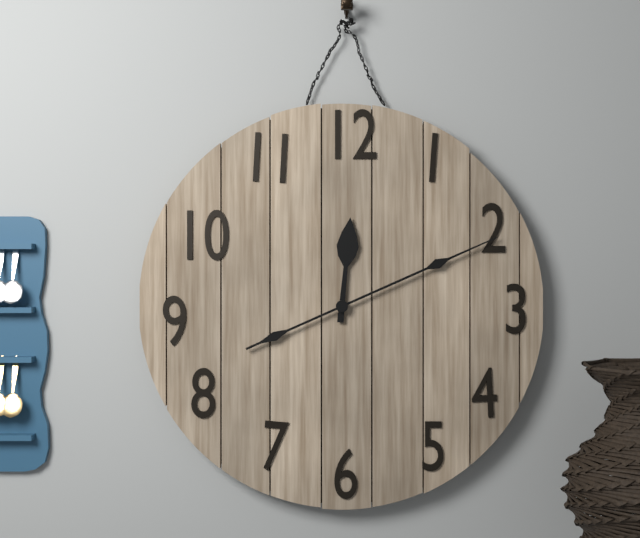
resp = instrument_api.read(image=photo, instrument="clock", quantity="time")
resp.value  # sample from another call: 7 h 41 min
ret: 12 h 11 min
